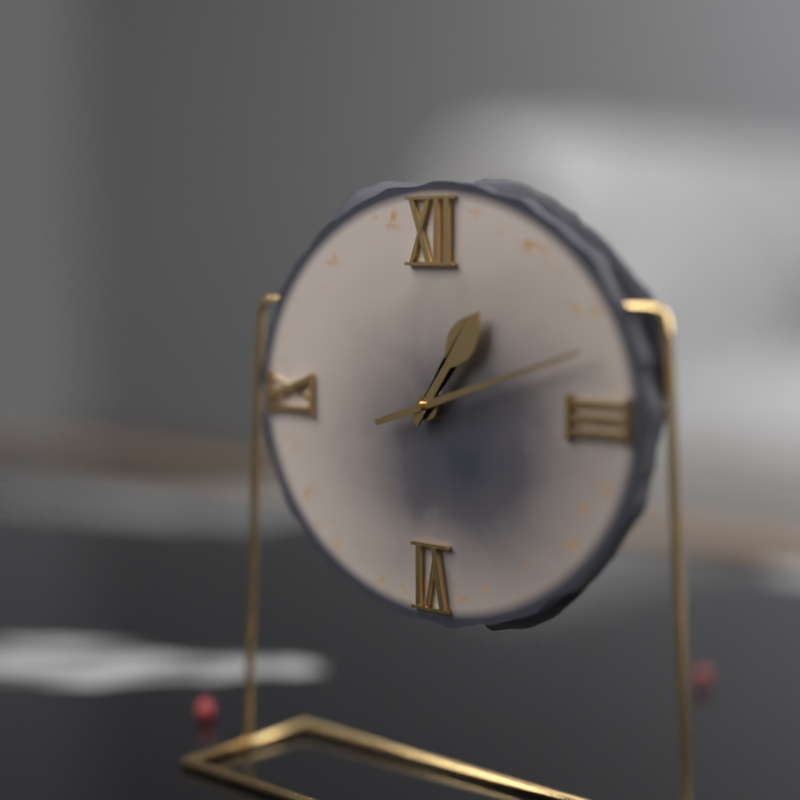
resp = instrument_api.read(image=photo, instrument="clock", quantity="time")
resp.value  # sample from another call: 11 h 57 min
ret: 1 h 12 min
